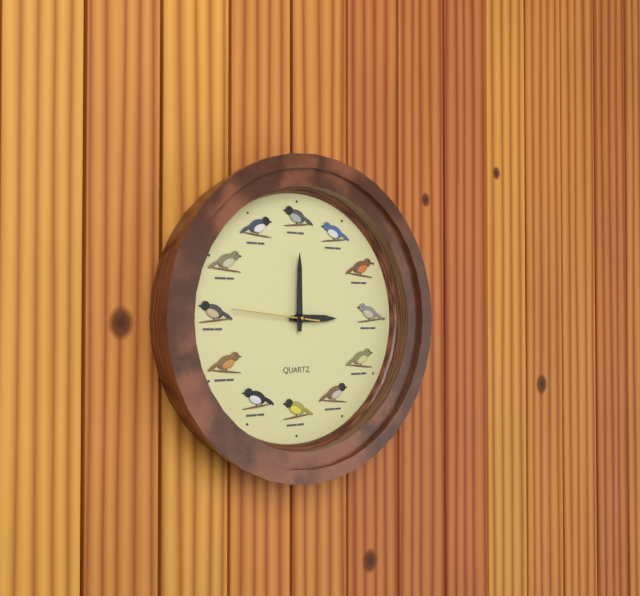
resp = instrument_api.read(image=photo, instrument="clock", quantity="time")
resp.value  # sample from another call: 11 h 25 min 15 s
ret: 3 h 00 min 46 s
